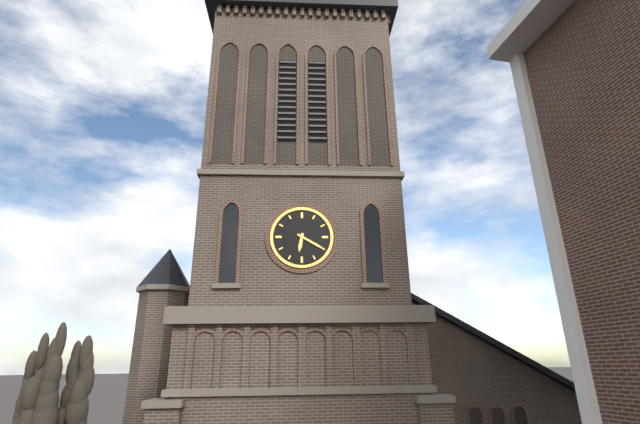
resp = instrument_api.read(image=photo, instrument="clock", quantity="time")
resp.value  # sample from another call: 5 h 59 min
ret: 6 h 20 min
